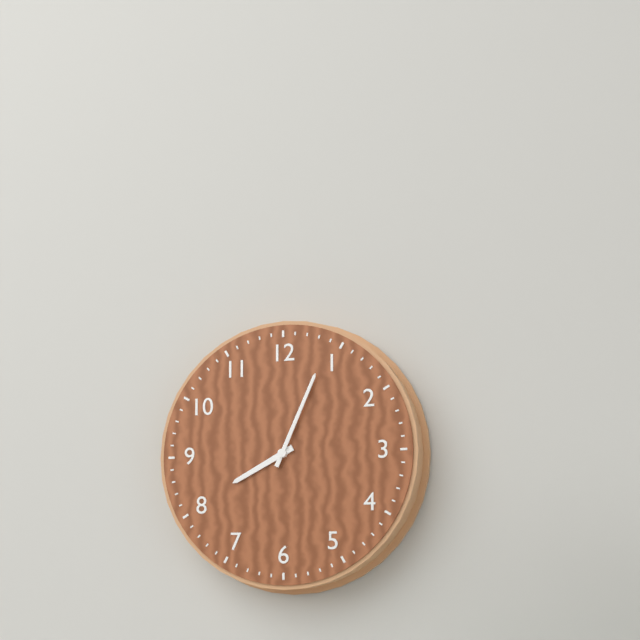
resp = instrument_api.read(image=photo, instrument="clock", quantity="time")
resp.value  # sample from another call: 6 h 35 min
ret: 8 h 04 min
